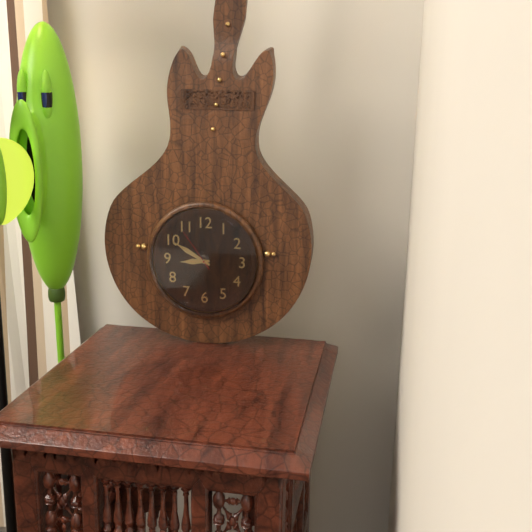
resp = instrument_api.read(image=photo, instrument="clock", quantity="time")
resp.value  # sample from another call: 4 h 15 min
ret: 8 h 50 min
